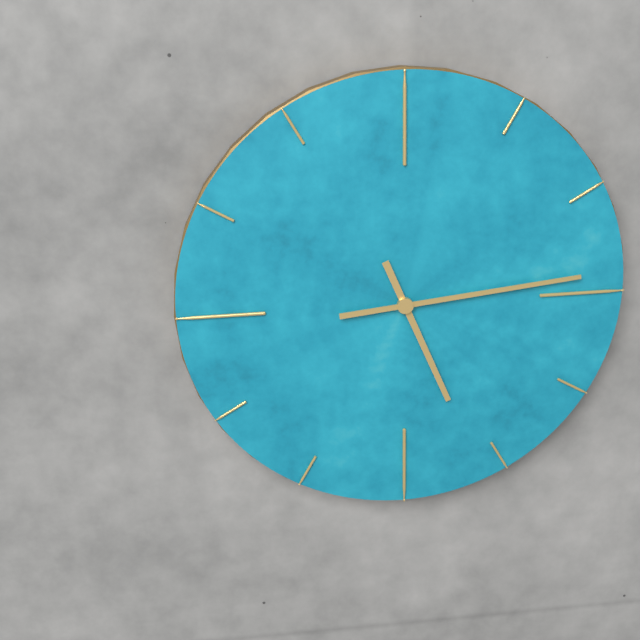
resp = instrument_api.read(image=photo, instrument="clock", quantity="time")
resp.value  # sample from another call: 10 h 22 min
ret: 5 h 14 min
